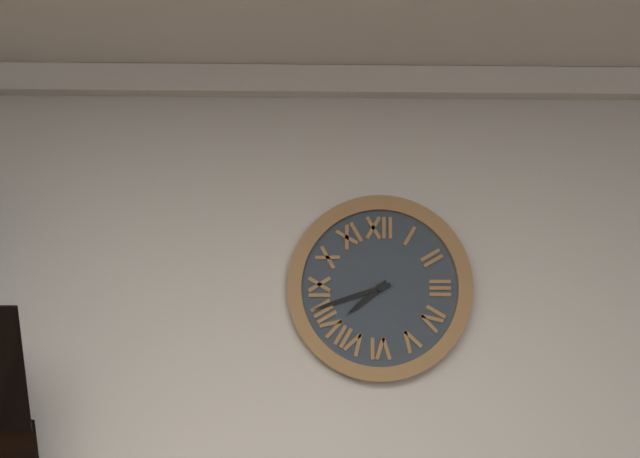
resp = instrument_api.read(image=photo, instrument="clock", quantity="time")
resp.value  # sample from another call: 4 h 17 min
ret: 7 h 42 min
